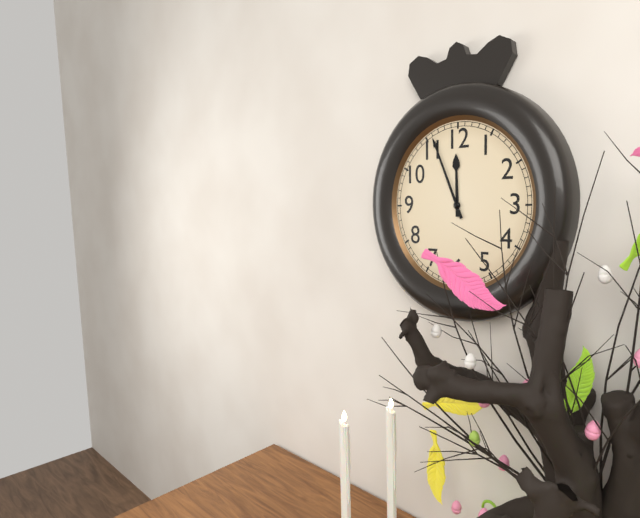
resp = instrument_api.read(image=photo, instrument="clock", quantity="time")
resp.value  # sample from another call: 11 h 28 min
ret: 11 h 56 min
